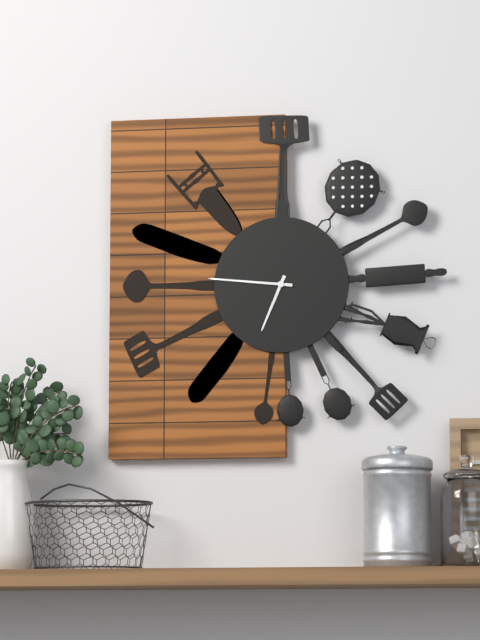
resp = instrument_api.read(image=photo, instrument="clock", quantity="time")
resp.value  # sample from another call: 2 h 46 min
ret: 6 h 46 min
